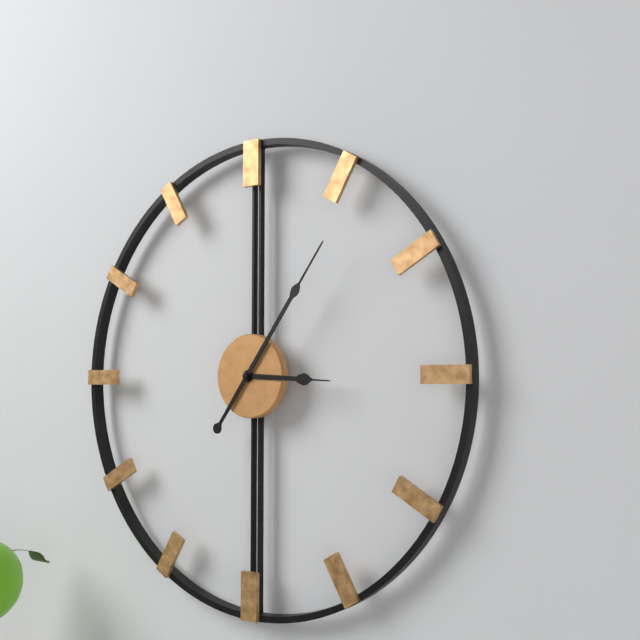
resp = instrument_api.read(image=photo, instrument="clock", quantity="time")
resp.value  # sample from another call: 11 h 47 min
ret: 3 h 06 min
